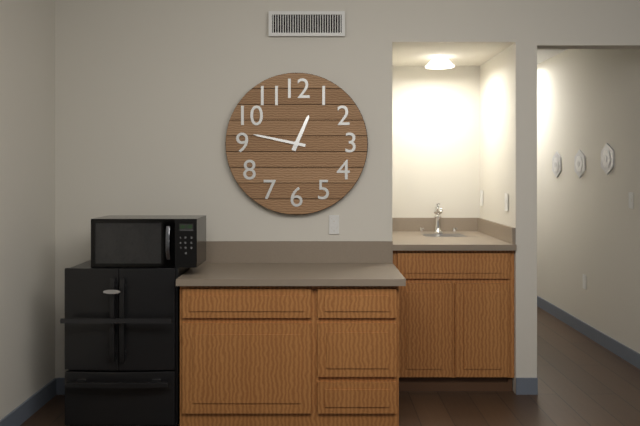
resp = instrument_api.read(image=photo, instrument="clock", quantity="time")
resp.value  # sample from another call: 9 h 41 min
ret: 12 h 47 min
